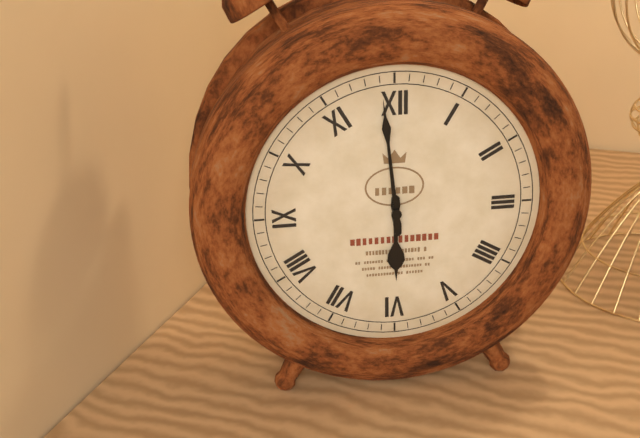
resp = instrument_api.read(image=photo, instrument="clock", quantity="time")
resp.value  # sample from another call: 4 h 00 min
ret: 5 h 59 min
